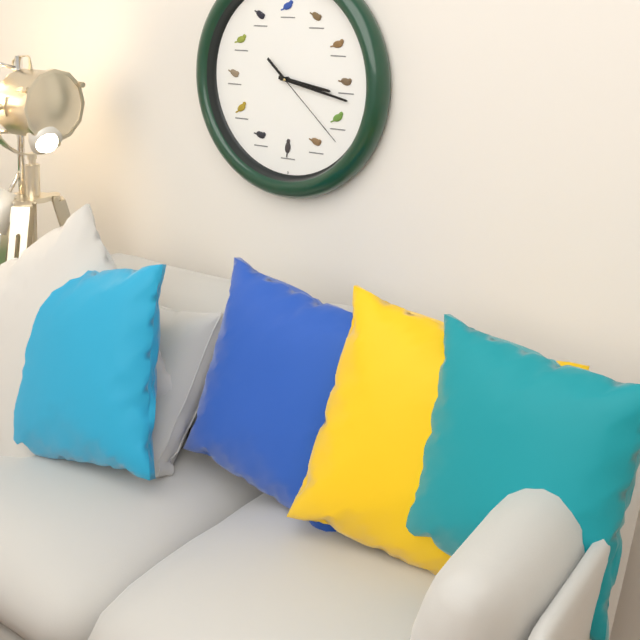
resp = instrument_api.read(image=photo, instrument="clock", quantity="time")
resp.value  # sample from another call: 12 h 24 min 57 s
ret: 3 h 17 min 22 s
